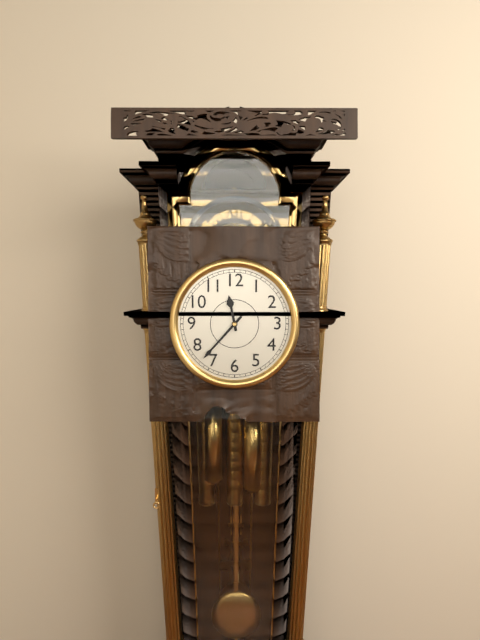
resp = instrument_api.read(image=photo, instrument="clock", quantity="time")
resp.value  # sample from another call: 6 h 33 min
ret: 11 h 37 min
